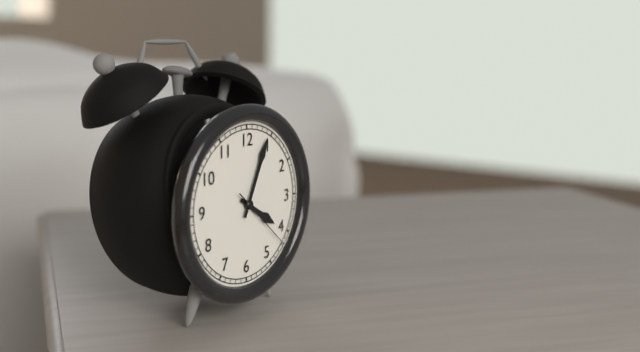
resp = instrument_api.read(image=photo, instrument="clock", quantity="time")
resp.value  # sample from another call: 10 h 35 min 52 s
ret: 4 h 04 min 22 s
